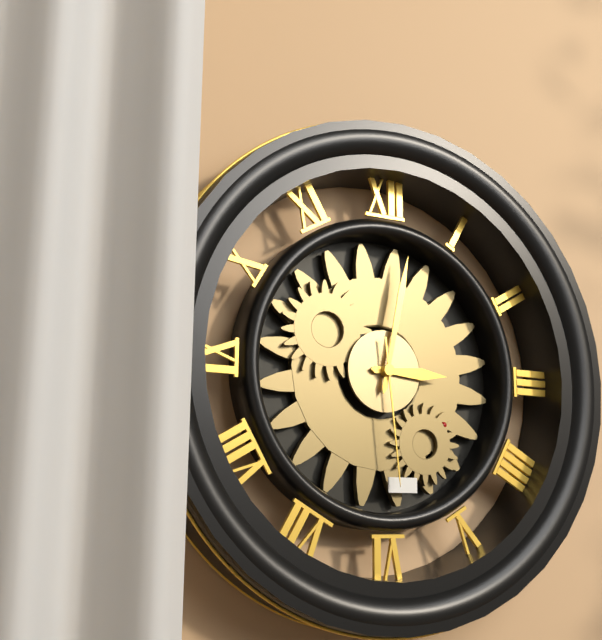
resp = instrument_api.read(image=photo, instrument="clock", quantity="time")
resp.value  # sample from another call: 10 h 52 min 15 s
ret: 3 h 02 min 29 s
